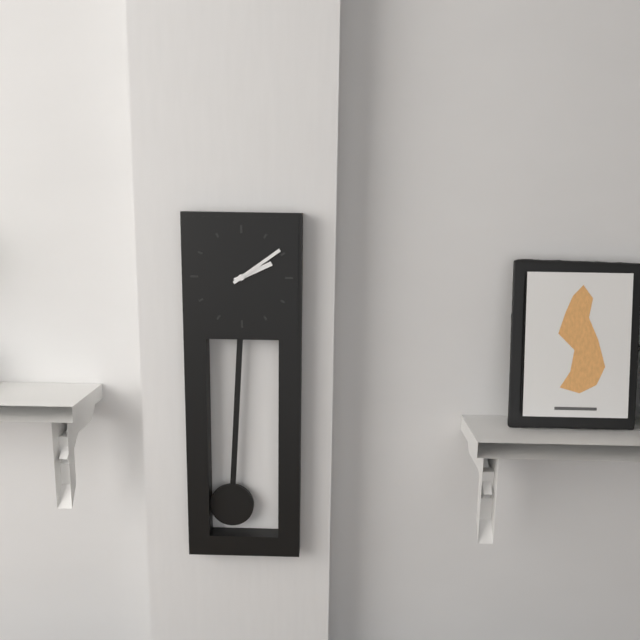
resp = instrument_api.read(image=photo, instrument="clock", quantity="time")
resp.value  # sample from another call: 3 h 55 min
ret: 2 h 09 min
